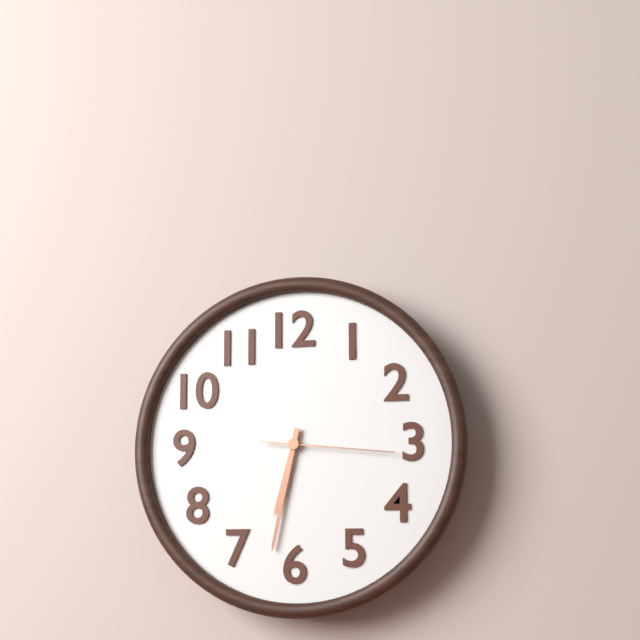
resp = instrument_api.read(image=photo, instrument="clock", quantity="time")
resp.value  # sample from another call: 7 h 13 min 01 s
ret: 6 h 32 min 16 s
